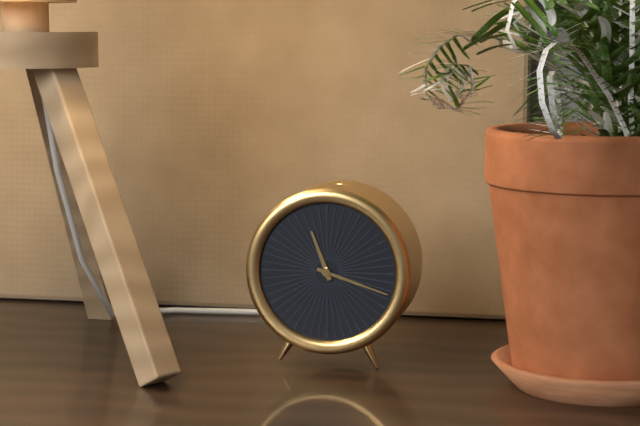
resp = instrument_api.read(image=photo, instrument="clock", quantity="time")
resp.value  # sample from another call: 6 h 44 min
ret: 11 h 18 min
